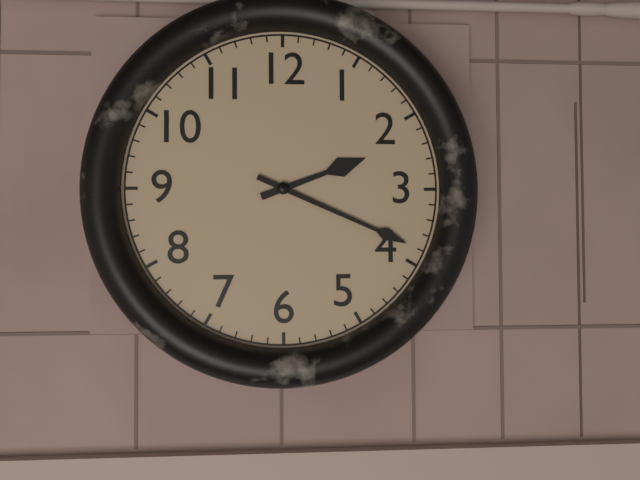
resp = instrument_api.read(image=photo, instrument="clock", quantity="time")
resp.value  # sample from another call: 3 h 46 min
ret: 2 h 19 min
